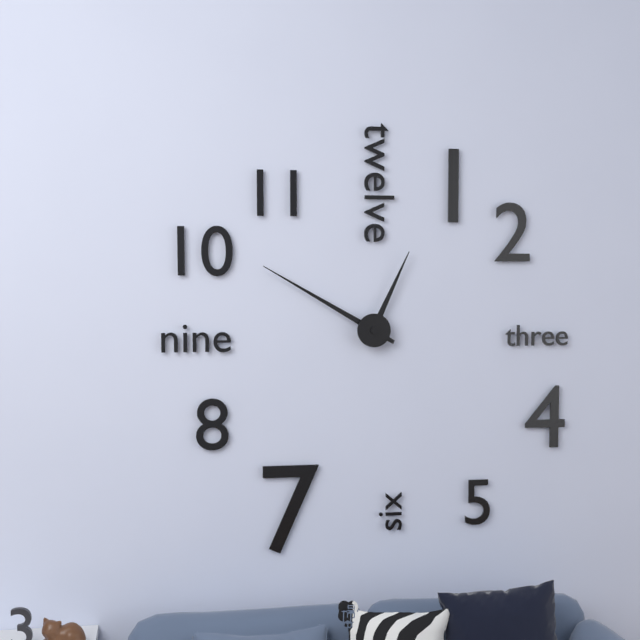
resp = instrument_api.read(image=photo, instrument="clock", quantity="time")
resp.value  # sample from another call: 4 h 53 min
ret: 12 h 50 min
